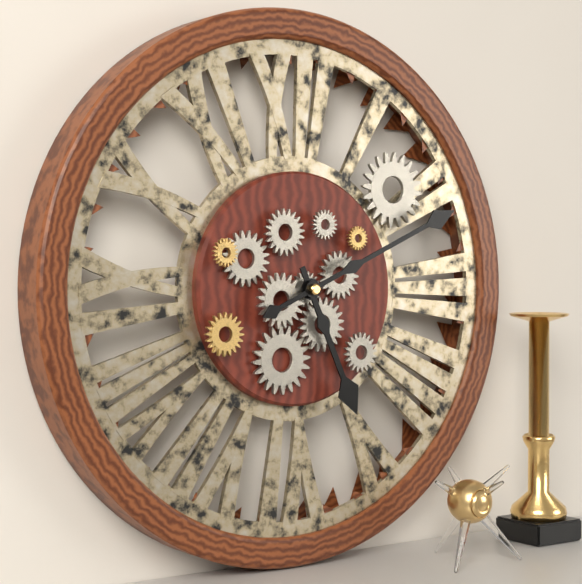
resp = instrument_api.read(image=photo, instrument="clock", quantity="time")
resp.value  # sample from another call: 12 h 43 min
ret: 5 h 11 min
